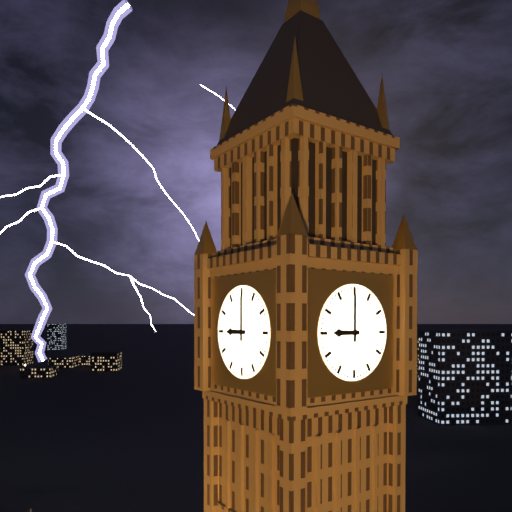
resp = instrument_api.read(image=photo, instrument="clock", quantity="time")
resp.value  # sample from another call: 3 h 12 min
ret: 9 h 00 min
